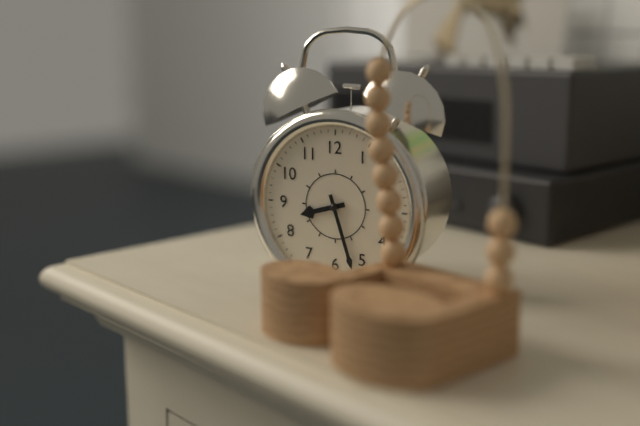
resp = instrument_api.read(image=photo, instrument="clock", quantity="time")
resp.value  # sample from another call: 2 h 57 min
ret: 8 h 27 min
